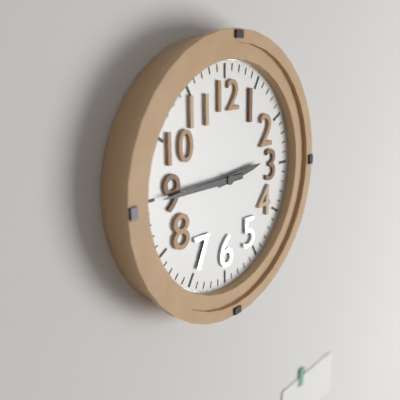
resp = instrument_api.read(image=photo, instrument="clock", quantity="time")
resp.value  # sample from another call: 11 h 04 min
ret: 2 h 45 min
